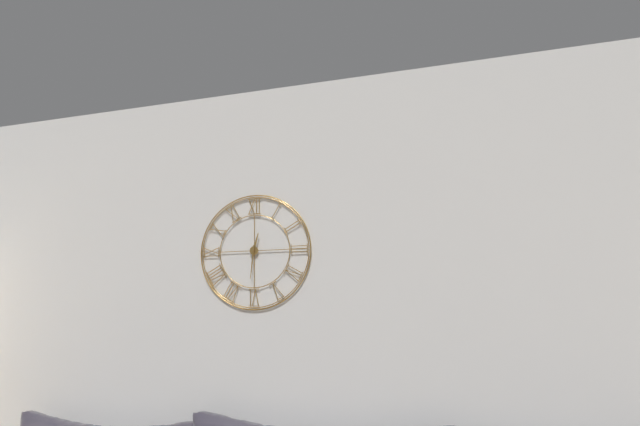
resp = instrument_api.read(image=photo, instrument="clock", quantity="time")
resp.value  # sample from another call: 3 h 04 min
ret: 12 h 31 min
